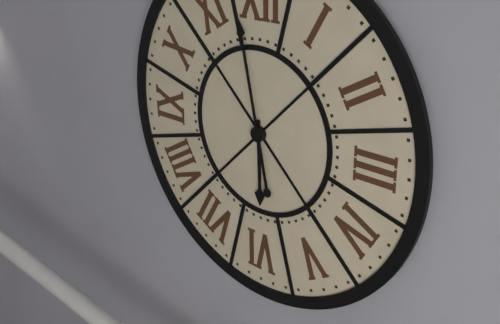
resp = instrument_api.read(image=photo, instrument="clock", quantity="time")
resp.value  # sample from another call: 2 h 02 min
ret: 5 h 58 min
